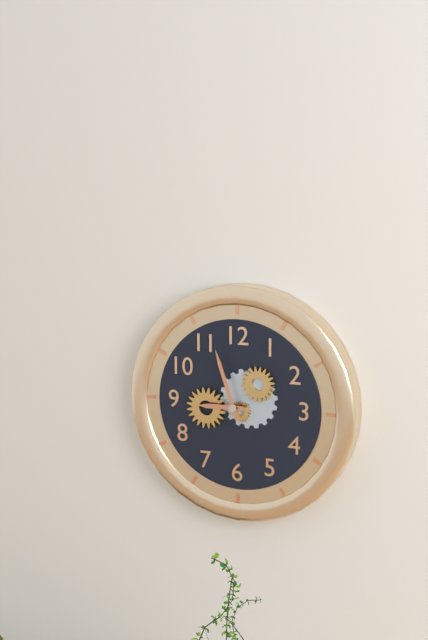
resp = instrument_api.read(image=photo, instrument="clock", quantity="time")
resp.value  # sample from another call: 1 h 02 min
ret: 8 h 57 min
